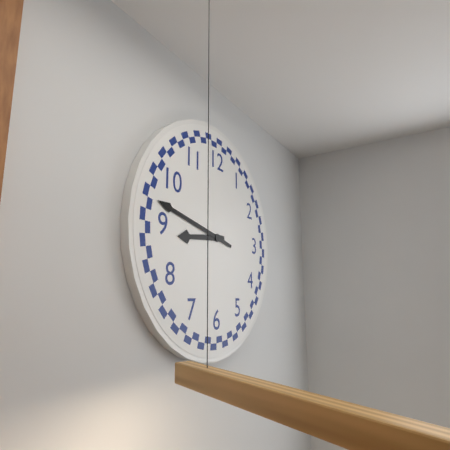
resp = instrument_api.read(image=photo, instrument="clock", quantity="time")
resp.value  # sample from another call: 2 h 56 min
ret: 8 h 47 min
